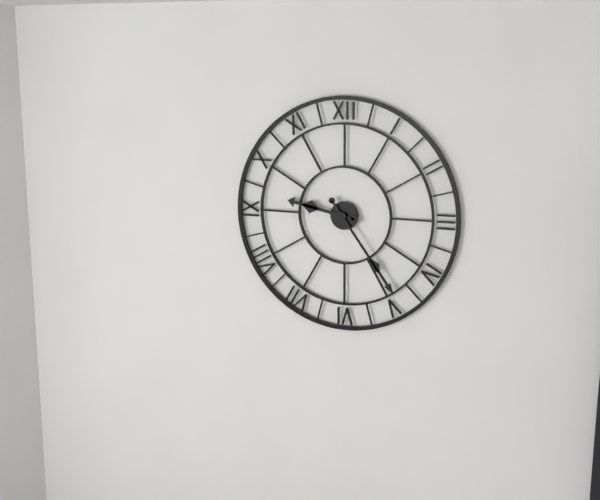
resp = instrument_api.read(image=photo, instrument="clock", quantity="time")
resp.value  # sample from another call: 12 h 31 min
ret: 9 h 24 min
